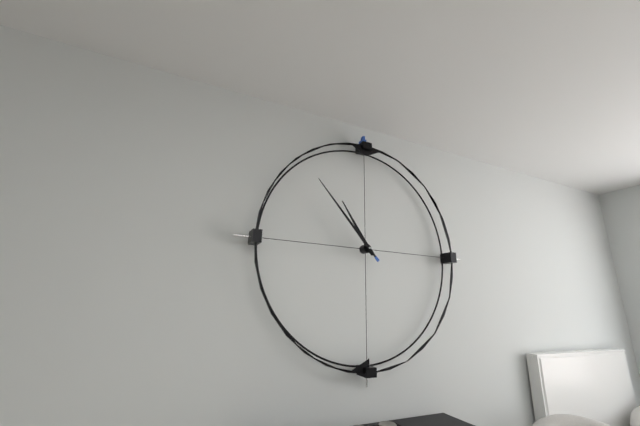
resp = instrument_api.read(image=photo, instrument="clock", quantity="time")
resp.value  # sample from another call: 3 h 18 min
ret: 10 h 53 min
